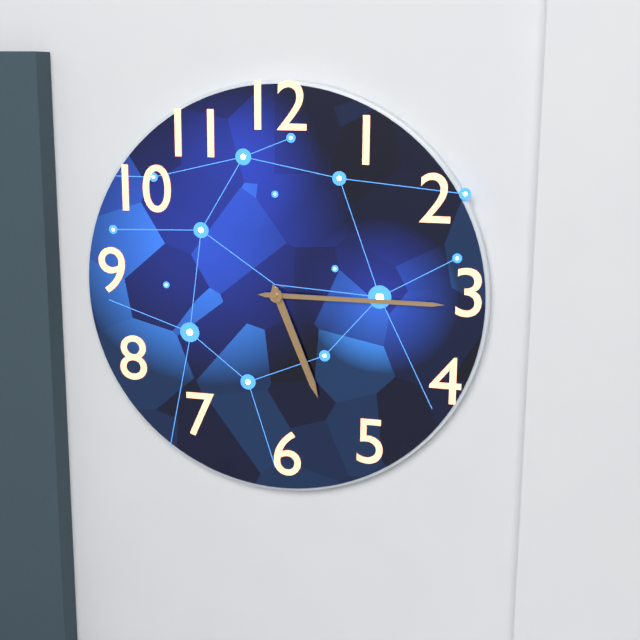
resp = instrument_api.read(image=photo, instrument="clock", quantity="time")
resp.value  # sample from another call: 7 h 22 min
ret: 5 h 15 min
